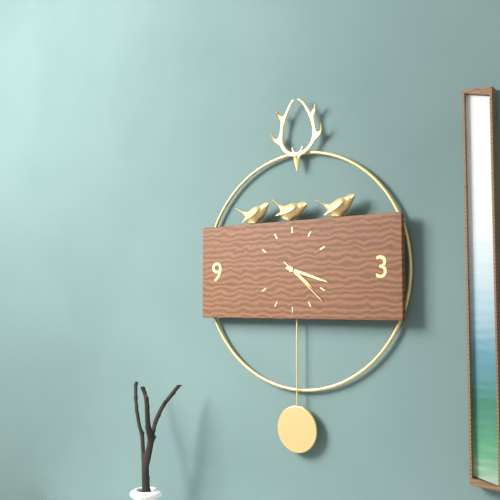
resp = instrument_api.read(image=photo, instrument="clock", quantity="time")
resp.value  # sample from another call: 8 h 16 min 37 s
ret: 4 h 18 min 22 s
